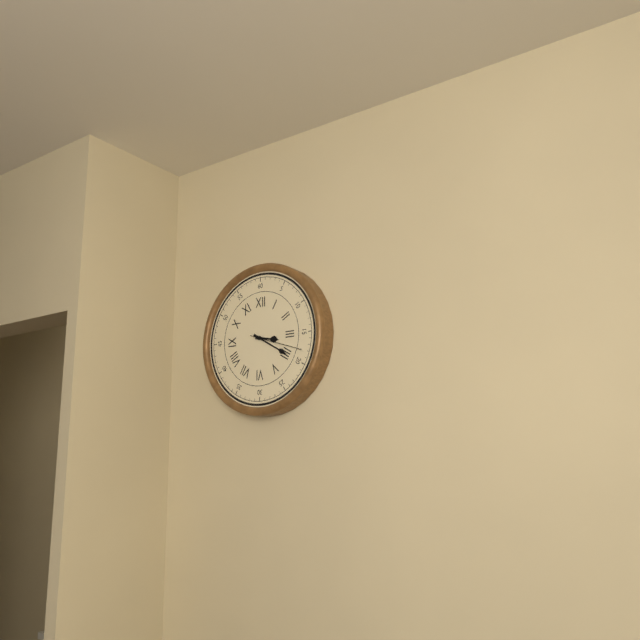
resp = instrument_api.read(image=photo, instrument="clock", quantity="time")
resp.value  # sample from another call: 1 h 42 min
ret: 3 h 20 min
